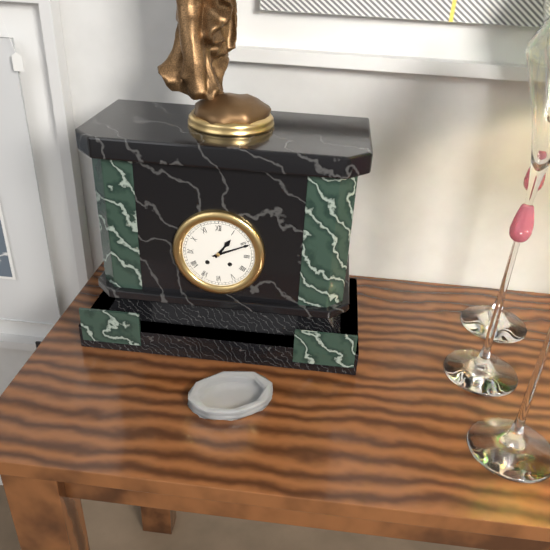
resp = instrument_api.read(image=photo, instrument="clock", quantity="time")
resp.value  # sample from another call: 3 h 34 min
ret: 1 h 11 min
